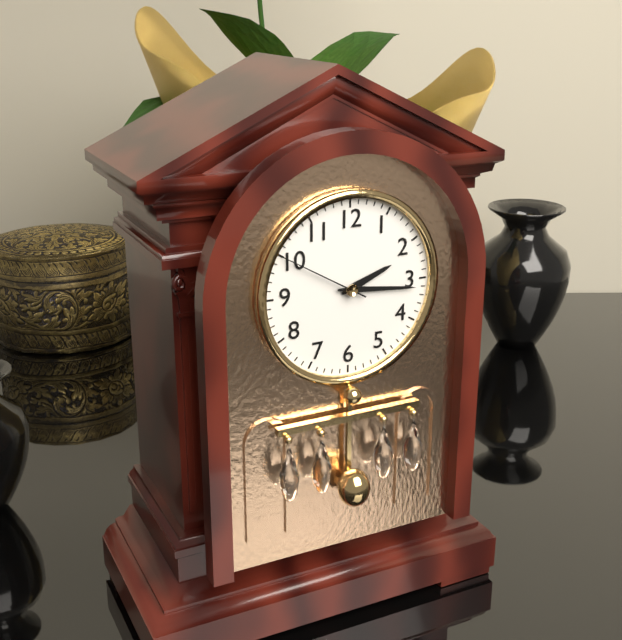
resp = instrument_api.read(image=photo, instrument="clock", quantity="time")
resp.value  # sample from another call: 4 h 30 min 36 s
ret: 2 h 16 min 50 s
